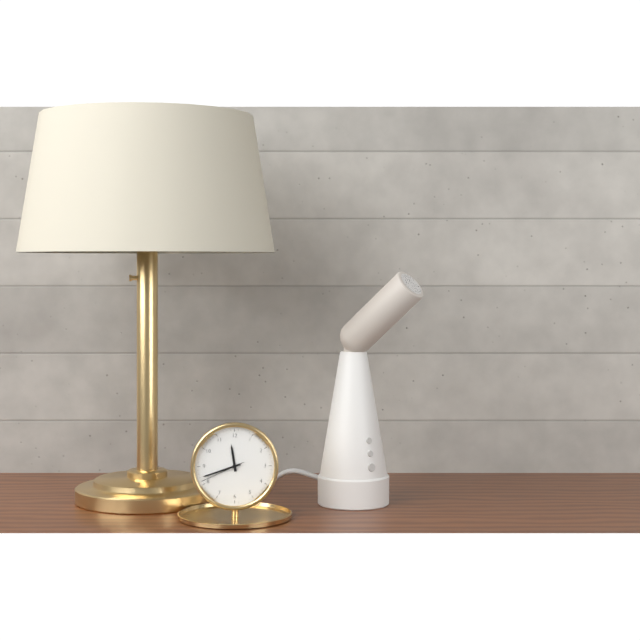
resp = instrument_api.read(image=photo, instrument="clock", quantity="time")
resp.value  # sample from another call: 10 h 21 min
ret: 11 h 42 min
